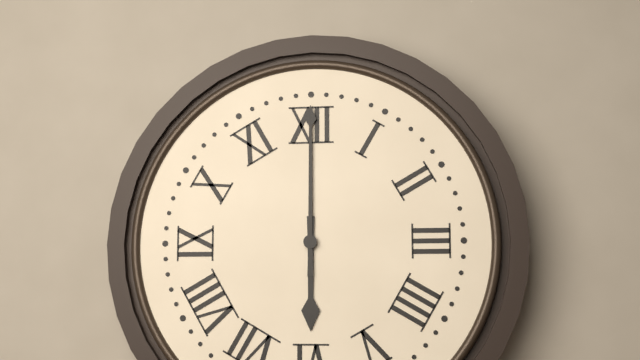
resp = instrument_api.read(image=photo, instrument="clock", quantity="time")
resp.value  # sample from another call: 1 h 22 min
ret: 6 h 00 min
